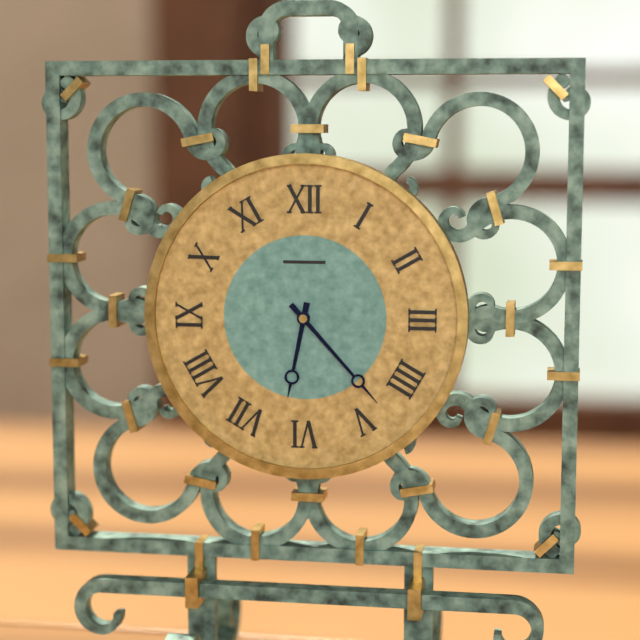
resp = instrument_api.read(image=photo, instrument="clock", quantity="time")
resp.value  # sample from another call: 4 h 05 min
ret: 6 h 23 min
